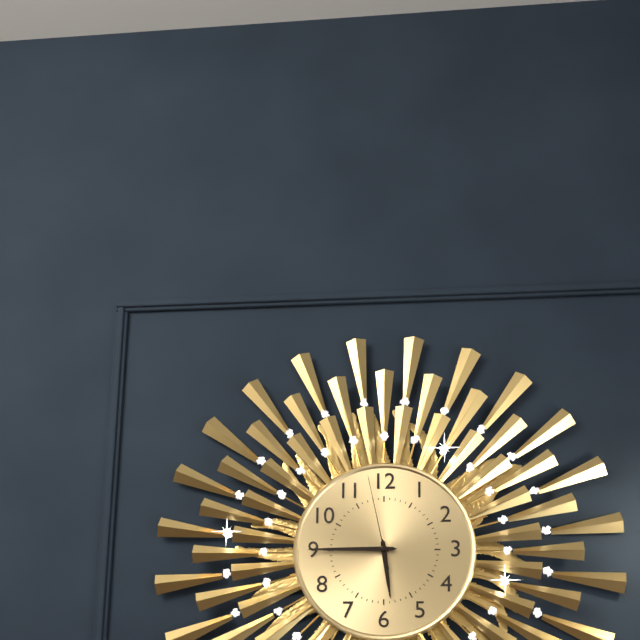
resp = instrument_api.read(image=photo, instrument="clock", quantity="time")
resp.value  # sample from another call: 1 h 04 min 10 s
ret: 5 h 45 min 58 s
